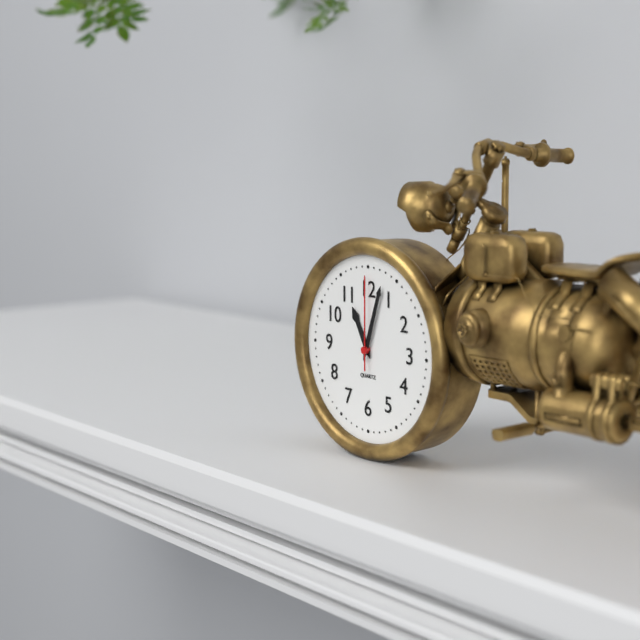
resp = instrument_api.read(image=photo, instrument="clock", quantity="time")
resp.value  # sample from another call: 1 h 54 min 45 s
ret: 11 h 03 min 00 s
